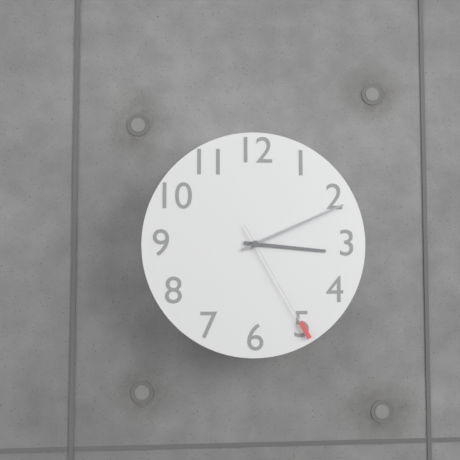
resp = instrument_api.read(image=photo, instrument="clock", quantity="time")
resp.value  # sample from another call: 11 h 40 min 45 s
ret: 3 h 11 min 25 s
